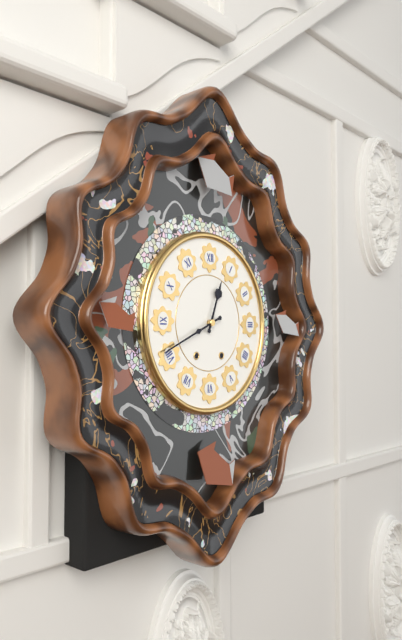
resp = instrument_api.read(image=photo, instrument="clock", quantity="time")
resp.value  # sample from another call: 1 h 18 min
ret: 12 h 41 min
